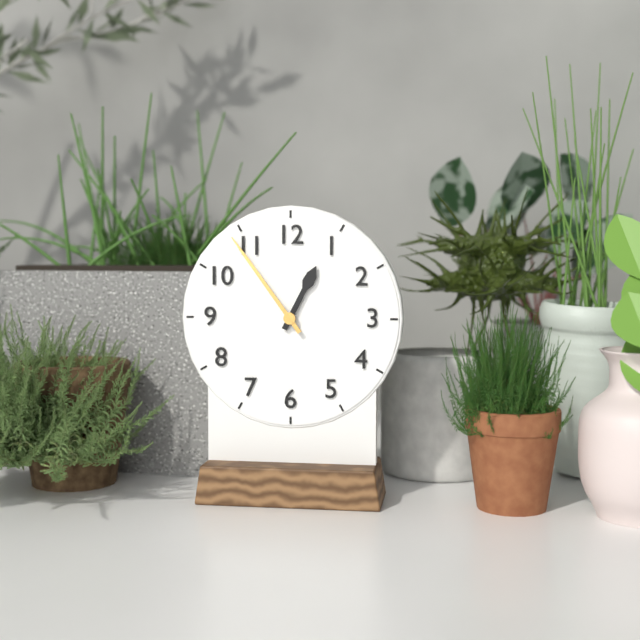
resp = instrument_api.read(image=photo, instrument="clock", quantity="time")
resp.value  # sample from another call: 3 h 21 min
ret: 12 h 54 min
